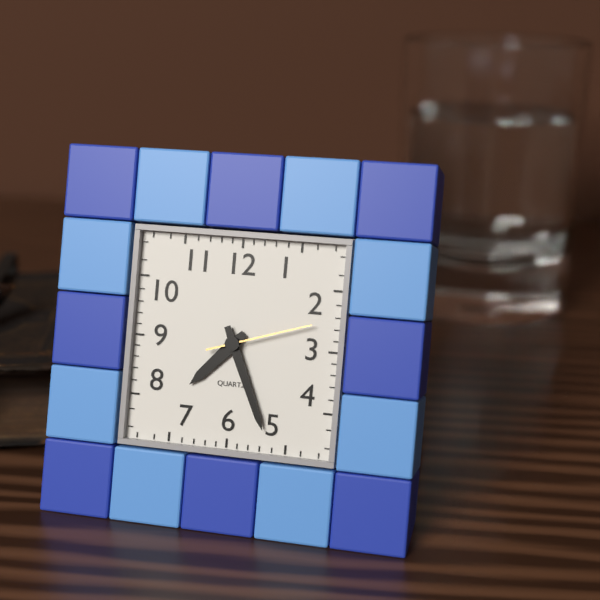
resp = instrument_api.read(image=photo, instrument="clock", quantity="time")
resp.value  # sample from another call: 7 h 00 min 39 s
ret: 7 h 26 min 12 s
